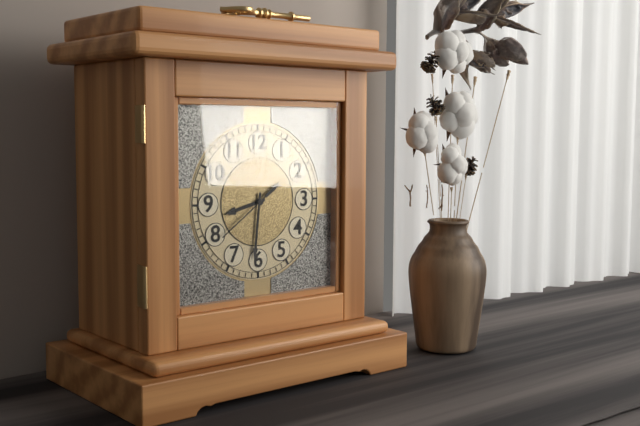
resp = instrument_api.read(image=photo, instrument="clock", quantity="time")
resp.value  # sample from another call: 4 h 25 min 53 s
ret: 8 h 31 min 39 s
